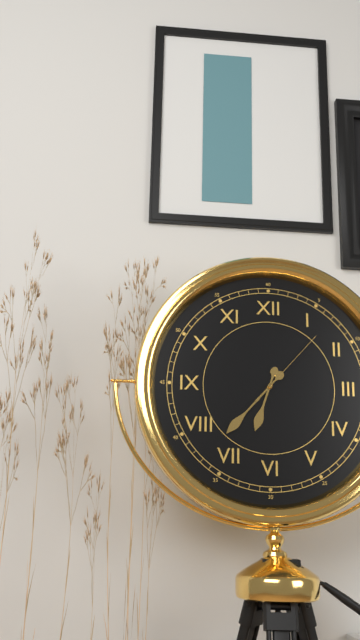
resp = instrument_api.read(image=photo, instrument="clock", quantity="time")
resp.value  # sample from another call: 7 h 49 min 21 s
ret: 6 h 37 min 07 s
